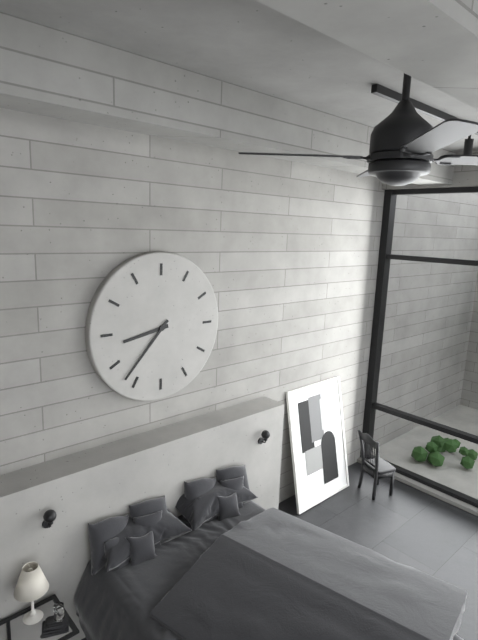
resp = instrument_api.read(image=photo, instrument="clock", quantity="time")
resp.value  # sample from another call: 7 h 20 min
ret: 8 h 37 min
